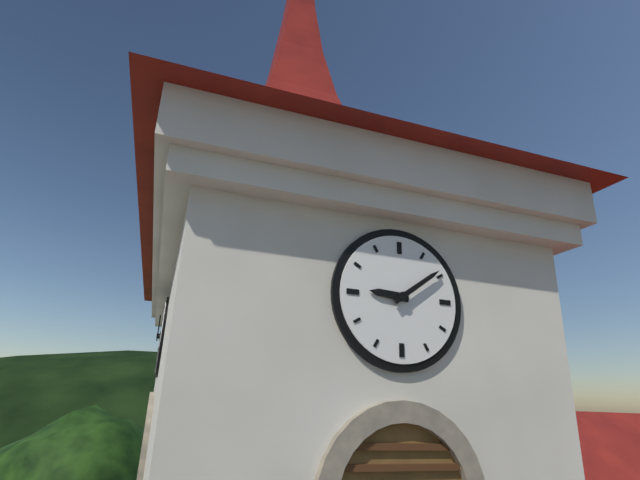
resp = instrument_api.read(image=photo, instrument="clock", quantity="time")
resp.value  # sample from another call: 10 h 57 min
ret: 9 h 09 min
